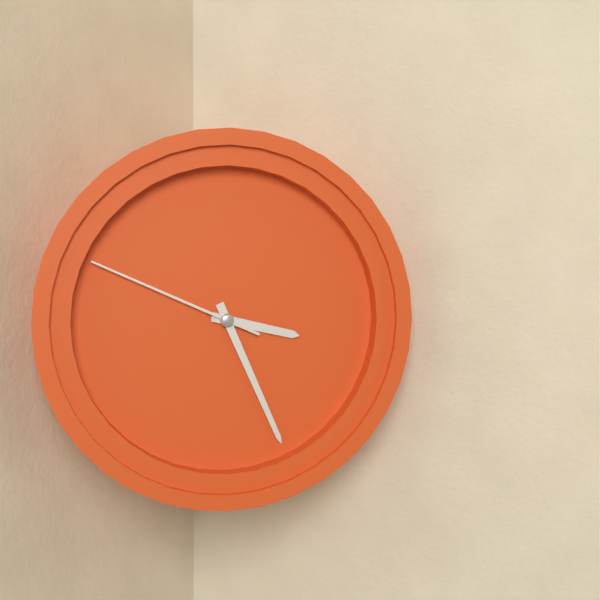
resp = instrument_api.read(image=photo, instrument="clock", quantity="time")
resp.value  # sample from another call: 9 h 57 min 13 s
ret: 3 h 26 min 49 s
